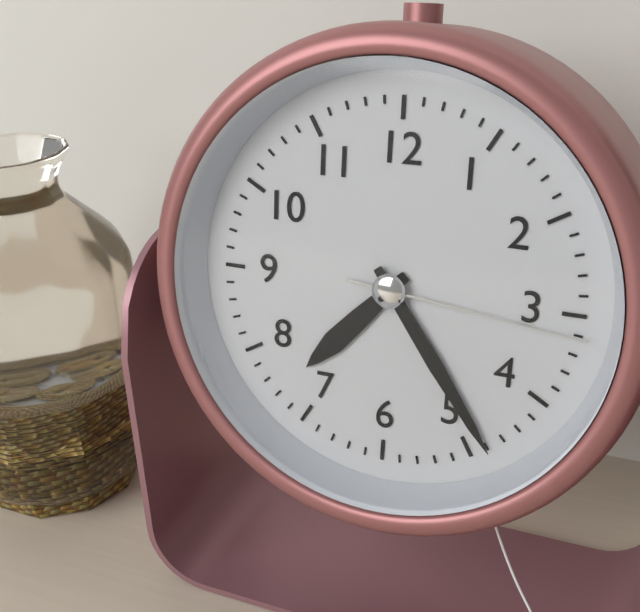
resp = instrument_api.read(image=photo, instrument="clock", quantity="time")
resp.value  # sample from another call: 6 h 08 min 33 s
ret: 7 h 24 min 16 s
